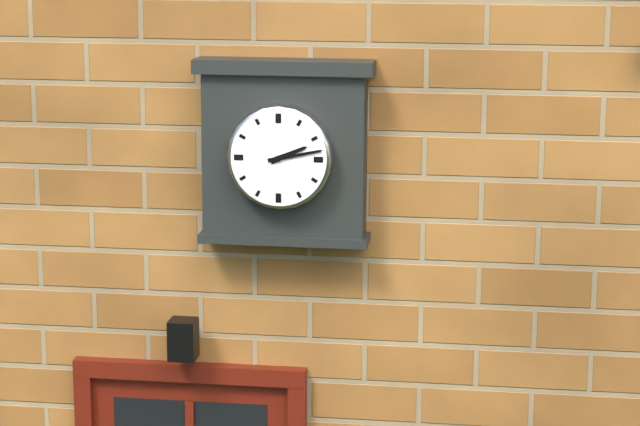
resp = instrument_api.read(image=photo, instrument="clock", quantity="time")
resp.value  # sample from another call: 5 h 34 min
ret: 2 h 13 min
